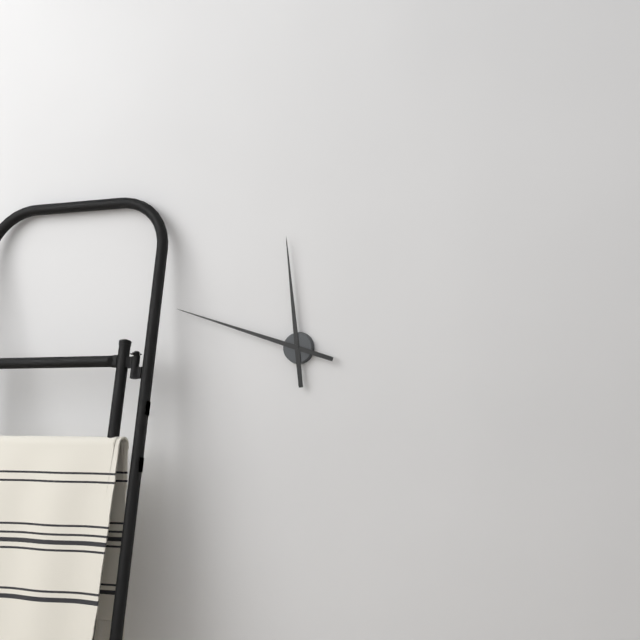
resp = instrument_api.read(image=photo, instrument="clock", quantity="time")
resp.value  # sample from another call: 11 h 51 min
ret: 11 h 48 min
